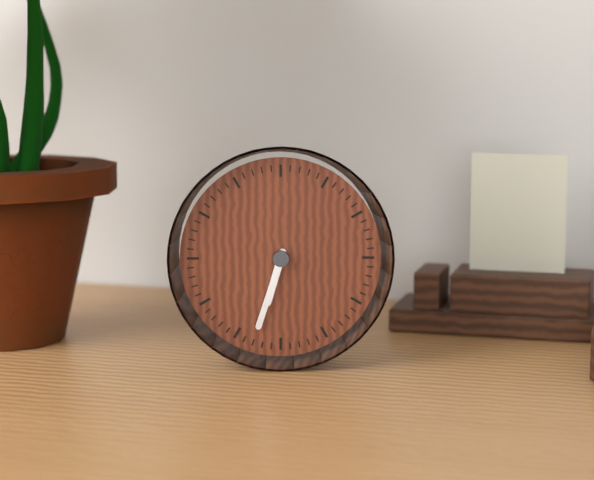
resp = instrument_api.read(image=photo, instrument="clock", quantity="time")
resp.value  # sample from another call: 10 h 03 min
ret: 6 h 33 min
